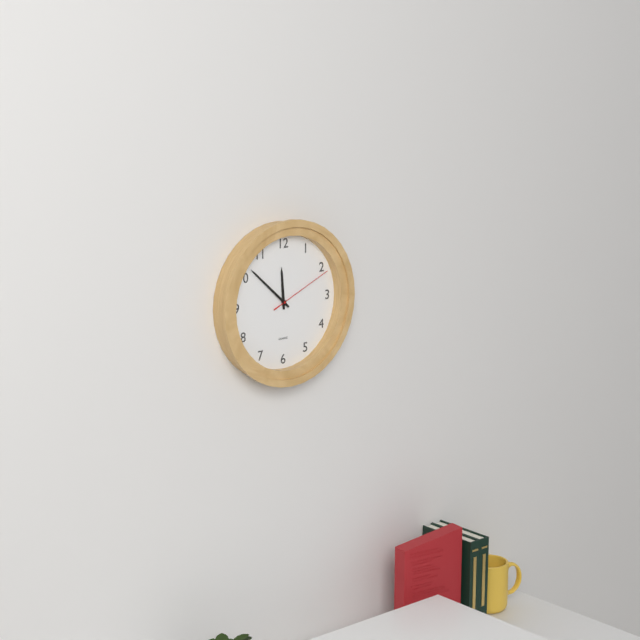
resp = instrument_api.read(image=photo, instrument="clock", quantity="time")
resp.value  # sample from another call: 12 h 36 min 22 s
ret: 11 h 52 min 11 s
